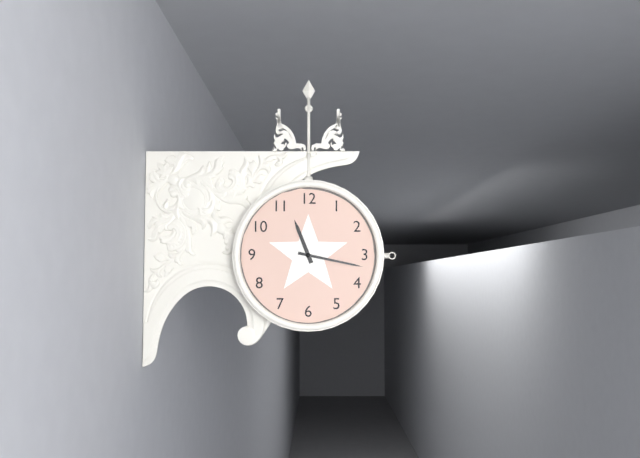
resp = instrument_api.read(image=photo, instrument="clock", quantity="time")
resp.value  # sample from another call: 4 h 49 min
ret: 11 h 17 min
